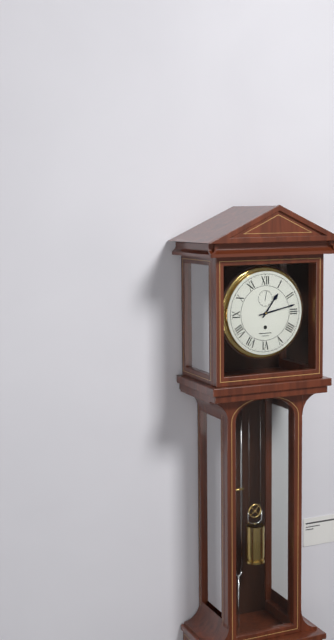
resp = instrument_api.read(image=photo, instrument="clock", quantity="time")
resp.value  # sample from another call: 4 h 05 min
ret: 1 h 13 min
